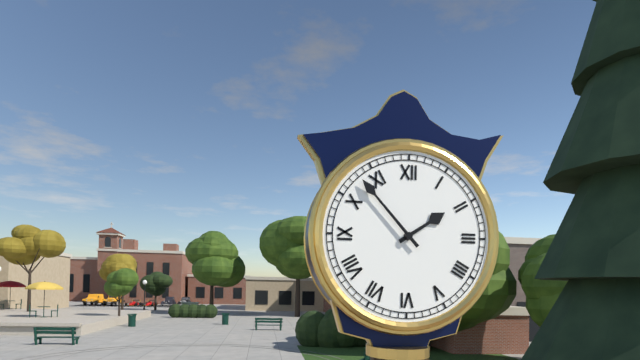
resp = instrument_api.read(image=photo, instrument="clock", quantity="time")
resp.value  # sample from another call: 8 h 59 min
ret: 1 h 53 min
